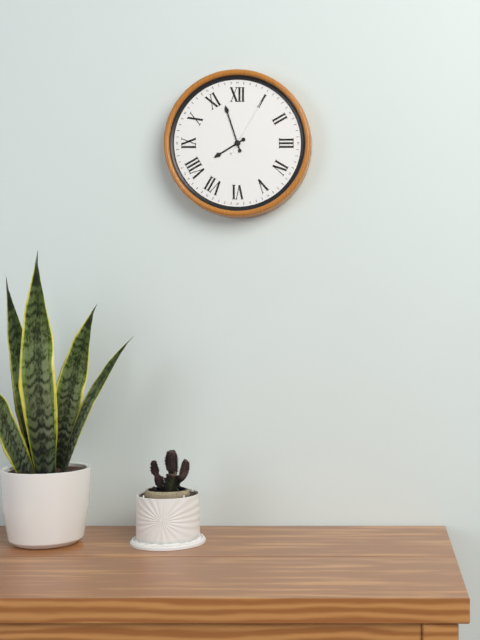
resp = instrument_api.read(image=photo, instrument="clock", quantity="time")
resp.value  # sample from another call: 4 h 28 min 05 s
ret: 7 h 57 min 05 s
